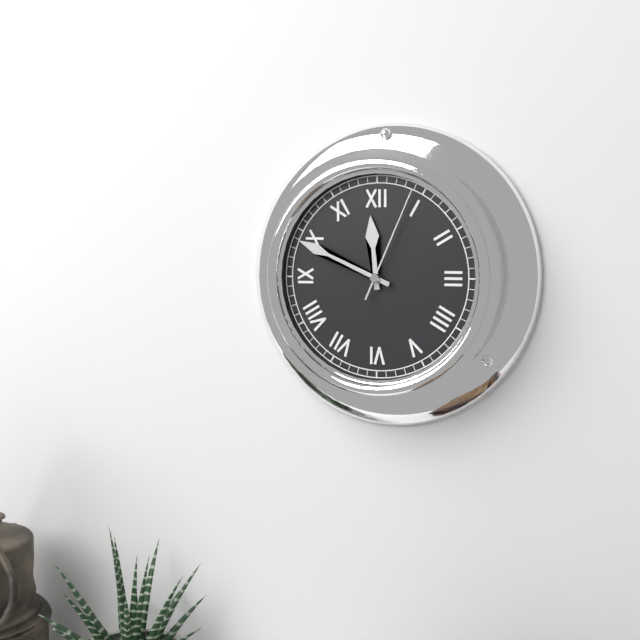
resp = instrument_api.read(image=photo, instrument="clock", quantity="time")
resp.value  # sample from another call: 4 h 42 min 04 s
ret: 11 h 49 min 04 s
